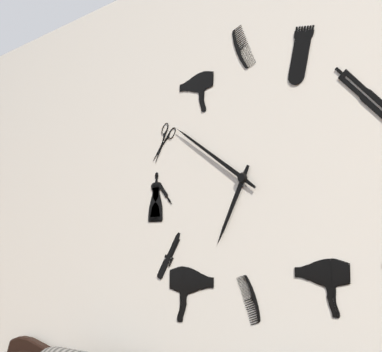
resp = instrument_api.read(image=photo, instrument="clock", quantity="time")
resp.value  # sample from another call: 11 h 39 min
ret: 6 h 51 min
